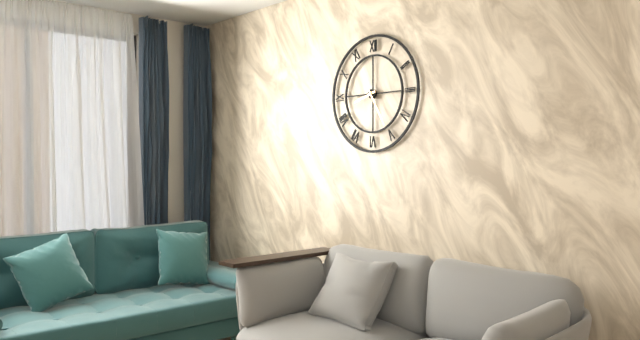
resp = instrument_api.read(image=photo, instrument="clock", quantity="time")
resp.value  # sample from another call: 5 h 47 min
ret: 8 h 25 min
